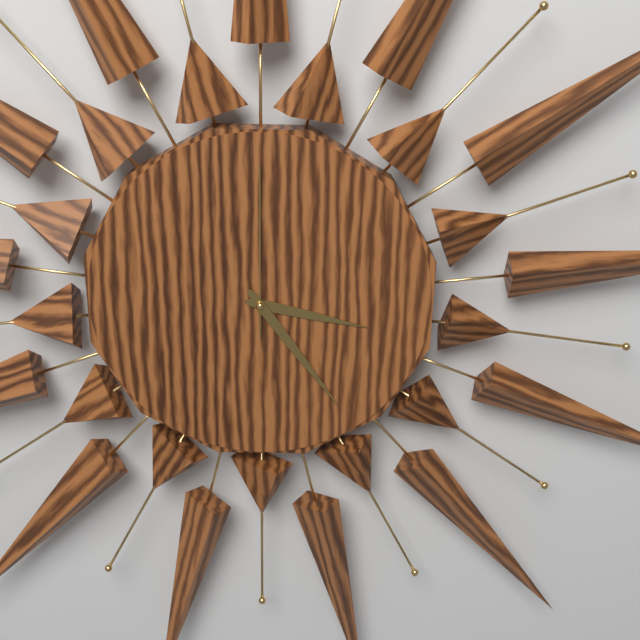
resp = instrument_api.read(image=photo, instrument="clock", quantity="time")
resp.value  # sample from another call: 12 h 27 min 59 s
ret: 3 h 24 min 00 s
